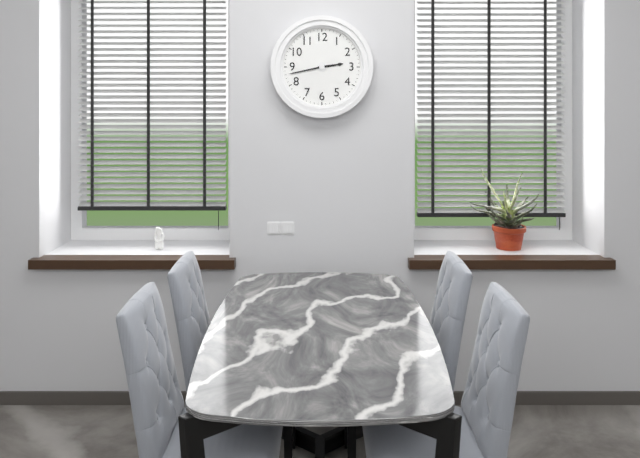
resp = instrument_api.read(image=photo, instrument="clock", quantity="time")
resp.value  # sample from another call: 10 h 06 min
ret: 2 h 43 min
